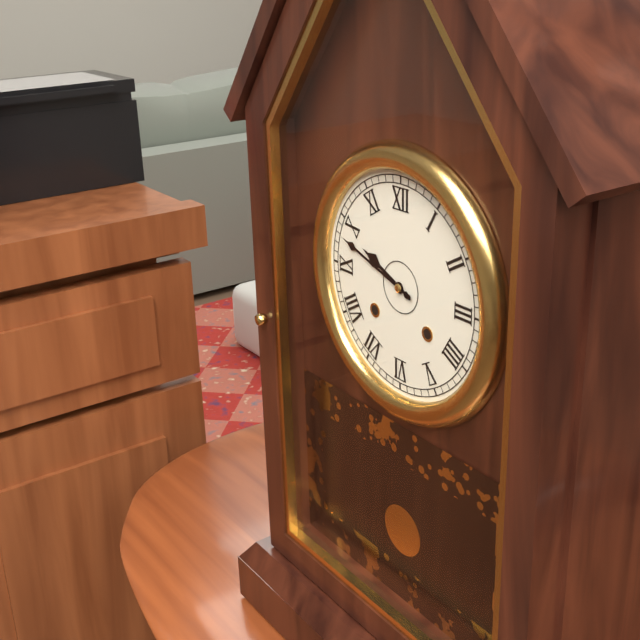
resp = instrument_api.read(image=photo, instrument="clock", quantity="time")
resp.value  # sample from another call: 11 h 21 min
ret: 9 h 48 min
